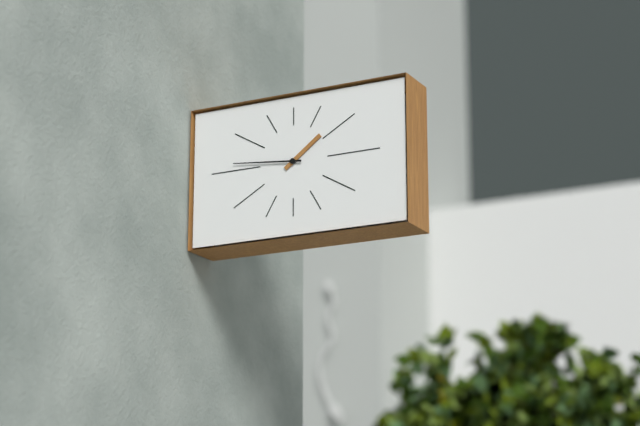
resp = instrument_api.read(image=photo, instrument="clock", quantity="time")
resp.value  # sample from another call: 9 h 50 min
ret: 1 h 46 min
